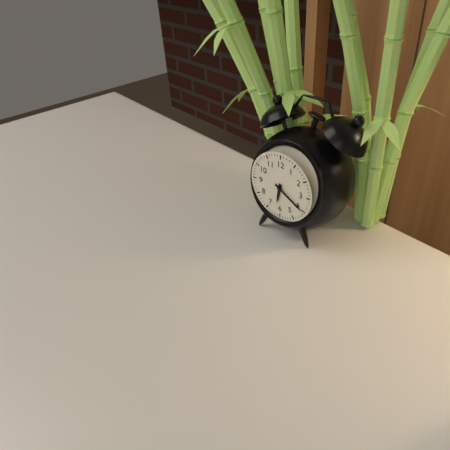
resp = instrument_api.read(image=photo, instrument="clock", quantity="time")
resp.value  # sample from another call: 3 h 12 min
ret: 6 h 20 min
